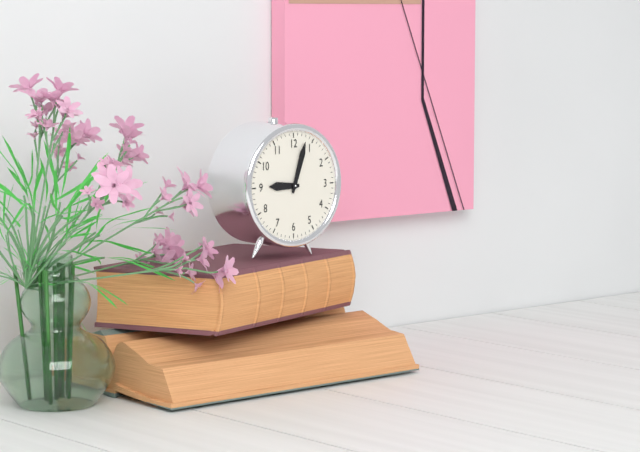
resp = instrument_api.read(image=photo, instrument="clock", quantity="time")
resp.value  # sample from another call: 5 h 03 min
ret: 9 h 03 min
